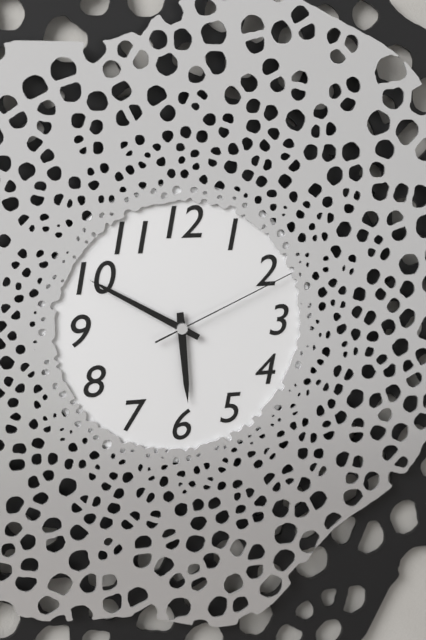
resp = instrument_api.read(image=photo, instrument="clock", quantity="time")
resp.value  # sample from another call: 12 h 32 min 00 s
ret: 5 h 50 min 11 s
